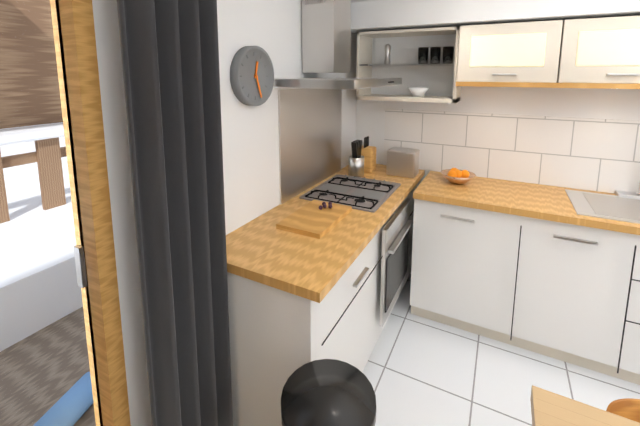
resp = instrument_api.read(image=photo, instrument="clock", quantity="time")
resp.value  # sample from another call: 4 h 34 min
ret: 12 h 27 min
